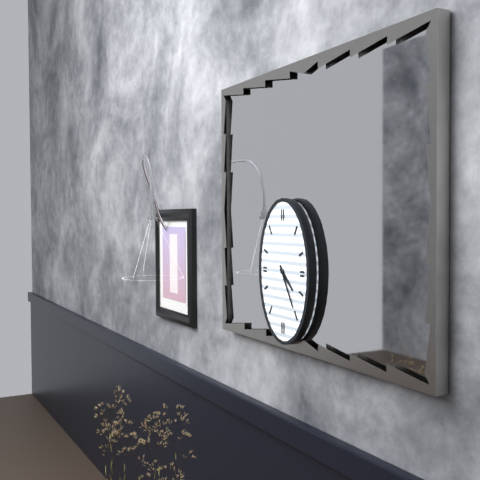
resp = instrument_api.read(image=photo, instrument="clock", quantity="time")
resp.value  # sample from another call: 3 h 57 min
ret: 4 h 25 min
